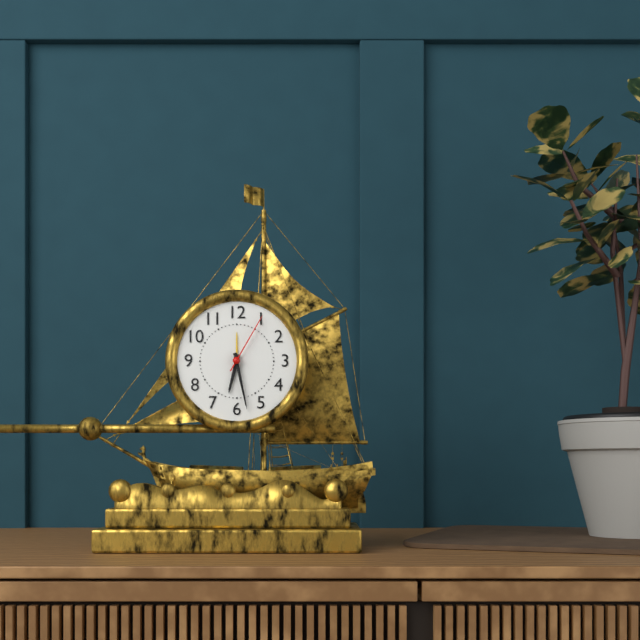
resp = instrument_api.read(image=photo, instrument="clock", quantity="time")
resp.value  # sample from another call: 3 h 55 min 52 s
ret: 6 h 28 min 05 s
